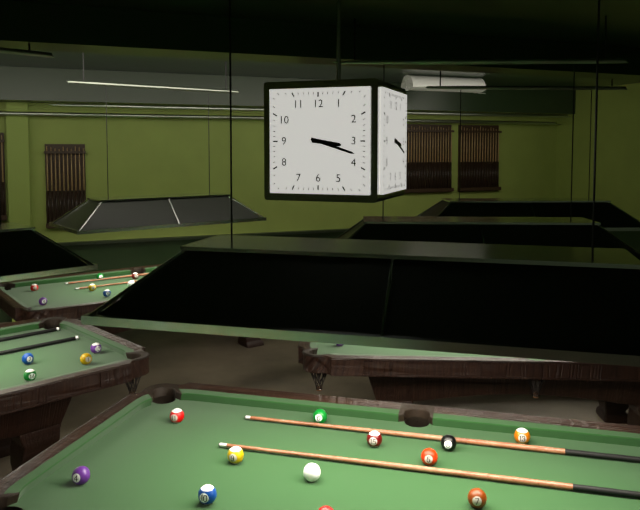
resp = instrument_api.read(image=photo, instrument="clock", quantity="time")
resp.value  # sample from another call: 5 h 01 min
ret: 3 h 18 min
